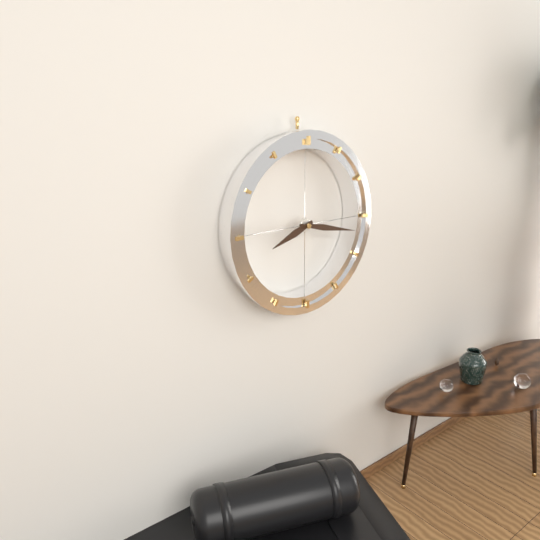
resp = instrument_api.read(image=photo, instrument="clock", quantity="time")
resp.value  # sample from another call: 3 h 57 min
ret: 8 h 17 min
